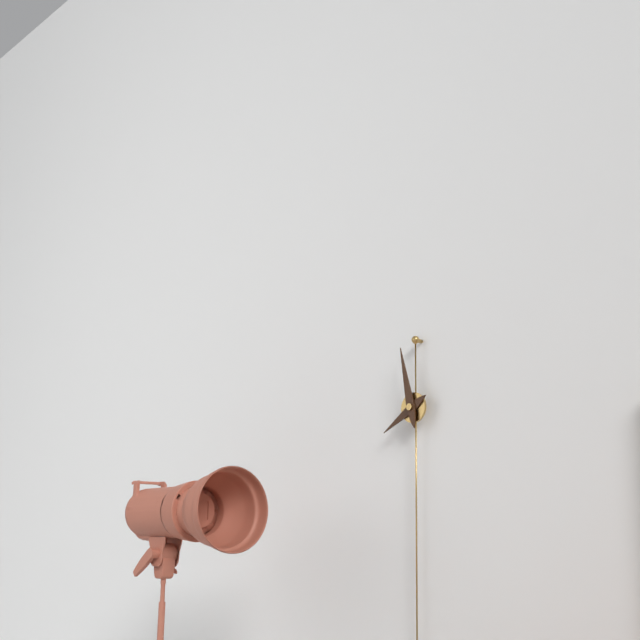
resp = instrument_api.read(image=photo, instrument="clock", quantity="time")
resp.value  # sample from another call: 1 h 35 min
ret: 7 h 58 min
